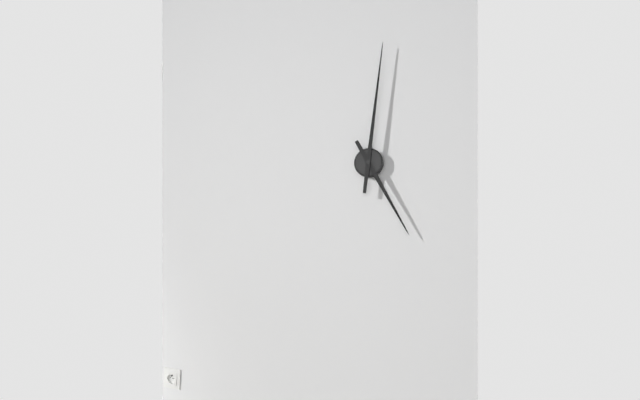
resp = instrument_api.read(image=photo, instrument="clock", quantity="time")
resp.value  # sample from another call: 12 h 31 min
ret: 5 h 01 min
